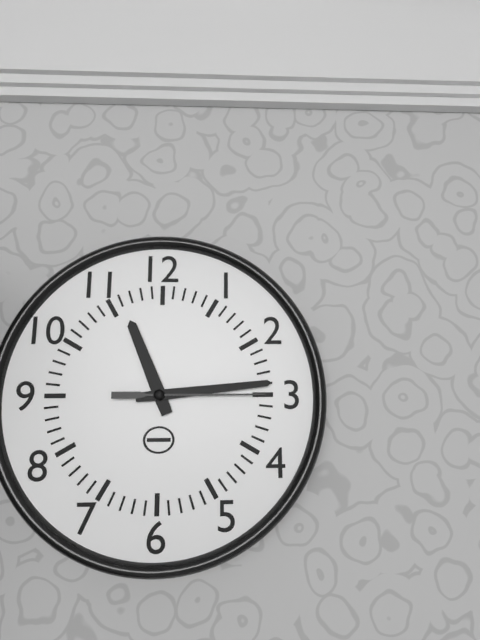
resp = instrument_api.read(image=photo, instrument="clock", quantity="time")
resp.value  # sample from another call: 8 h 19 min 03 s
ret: 11 h 14 min 15 s
